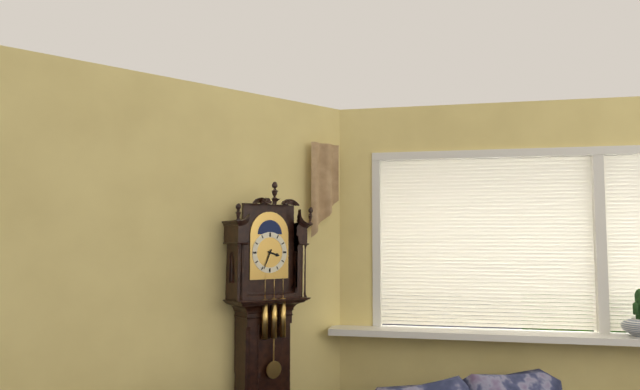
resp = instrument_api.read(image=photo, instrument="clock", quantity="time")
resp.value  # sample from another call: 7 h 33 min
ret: 3 h 34 min
